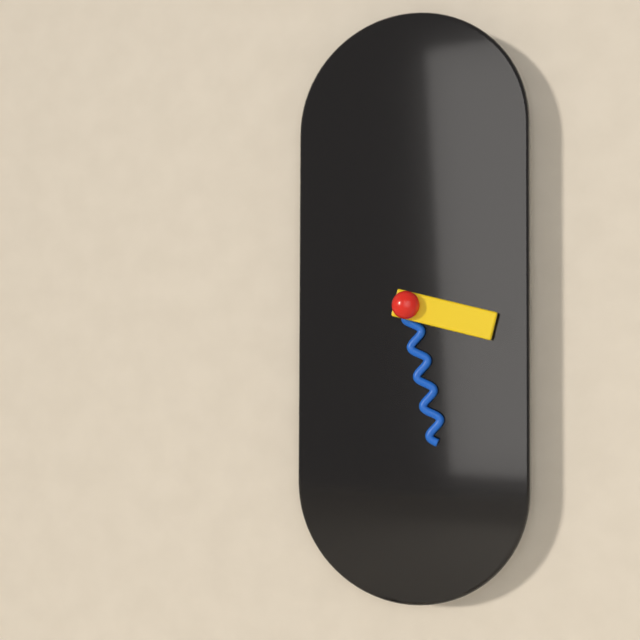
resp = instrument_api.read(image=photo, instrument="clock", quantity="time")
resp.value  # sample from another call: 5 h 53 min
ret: 3 h 28 min
